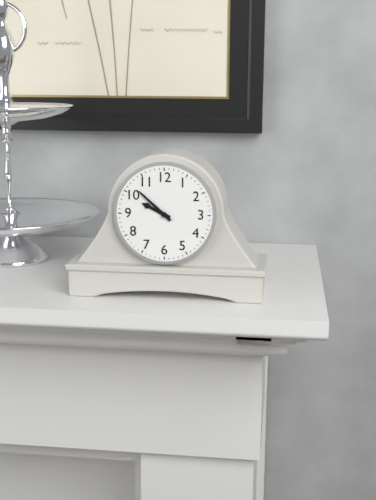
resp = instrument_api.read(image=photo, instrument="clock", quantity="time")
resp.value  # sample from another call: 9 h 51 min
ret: 9 h 52 min
